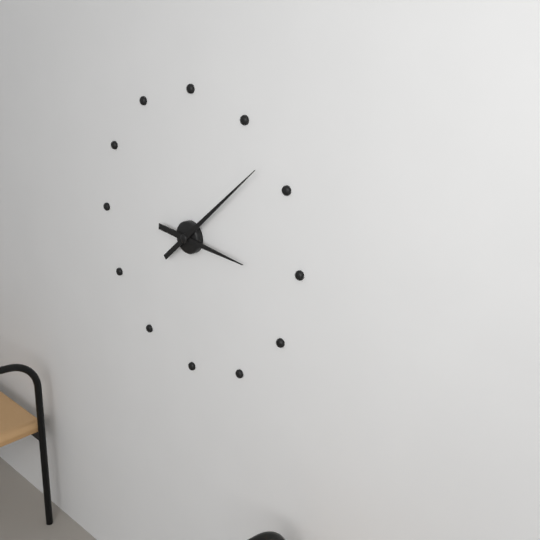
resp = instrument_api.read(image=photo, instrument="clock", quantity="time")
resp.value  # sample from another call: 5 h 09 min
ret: 3 h 08 min
